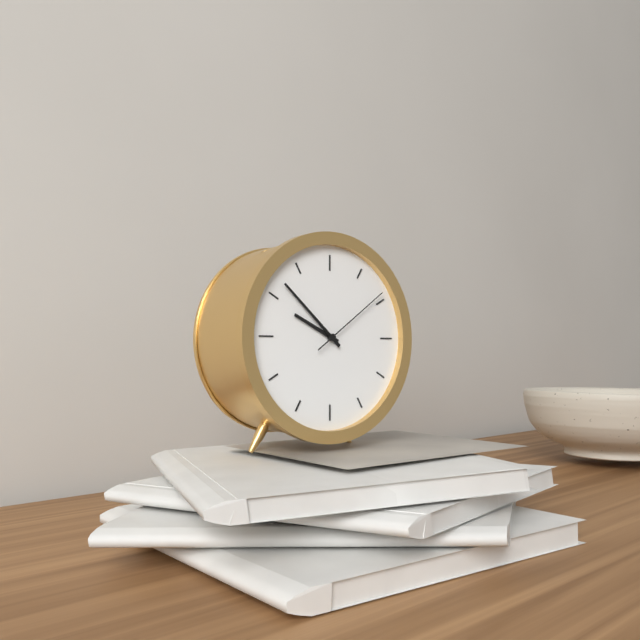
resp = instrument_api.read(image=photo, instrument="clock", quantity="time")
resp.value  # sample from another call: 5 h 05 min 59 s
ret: 9 h 52 min 09 s
